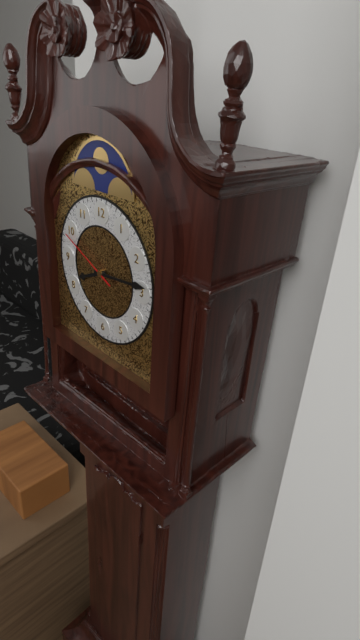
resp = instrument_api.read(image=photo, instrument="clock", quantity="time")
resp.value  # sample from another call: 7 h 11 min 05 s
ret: 8 h 14 min 49 s
